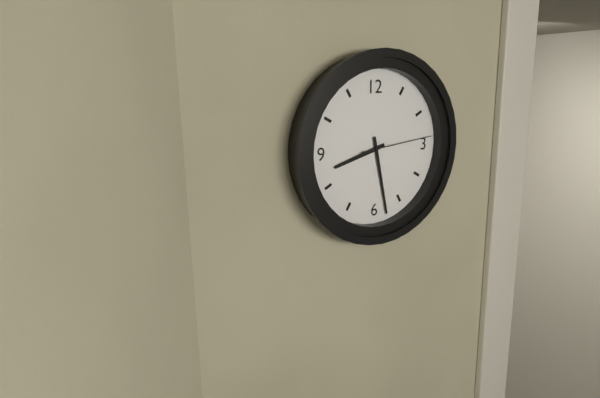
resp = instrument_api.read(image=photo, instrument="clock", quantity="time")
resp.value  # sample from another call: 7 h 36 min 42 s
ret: 8 h 28 min 14 s
